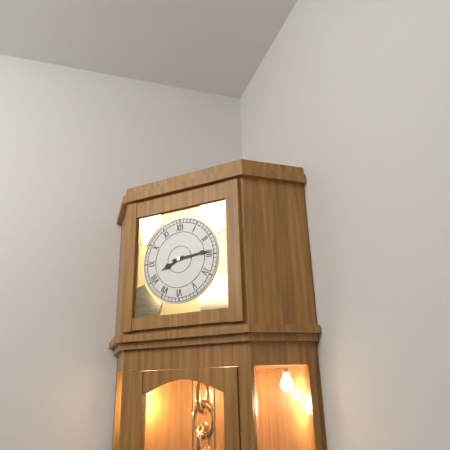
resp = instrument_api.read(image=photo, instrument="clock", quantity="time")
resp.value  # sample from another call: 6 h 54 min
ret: 8 h 14 min
